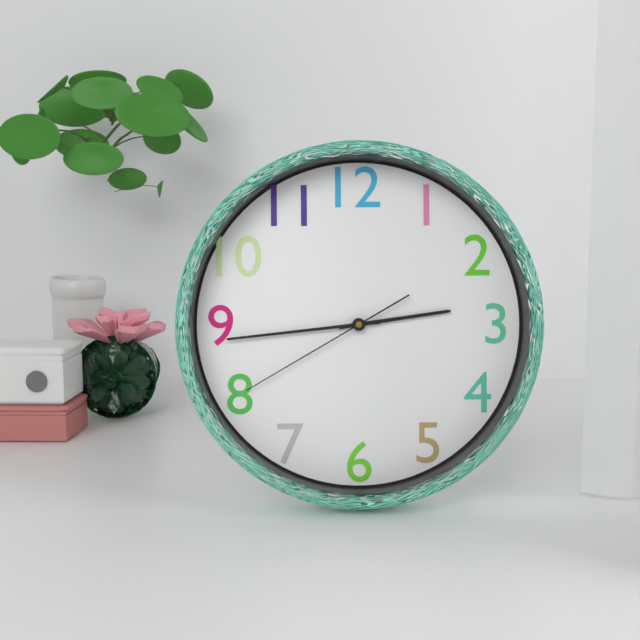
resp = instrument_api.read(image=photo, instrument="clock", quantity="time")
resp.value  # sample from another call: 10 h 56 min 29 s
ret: 2 h 44 min 40 s
